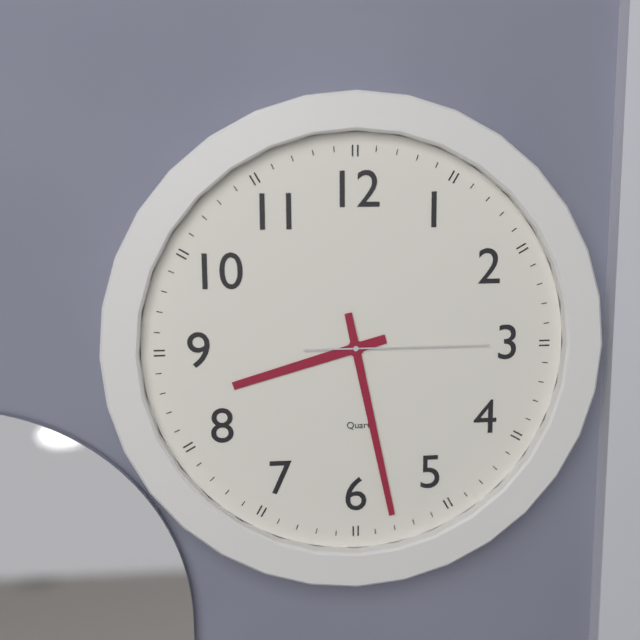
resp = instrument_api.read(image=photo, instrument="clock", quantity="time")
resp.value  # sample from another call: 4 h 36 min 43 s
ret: 8 h 28 min 15 s
